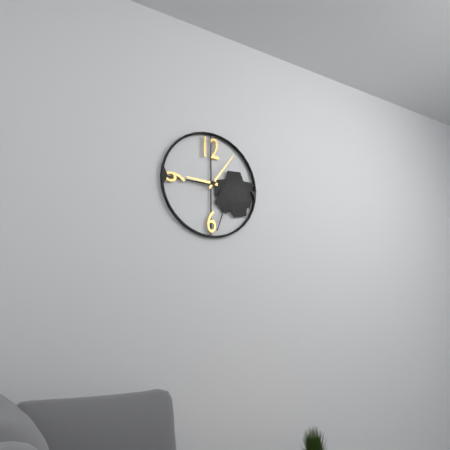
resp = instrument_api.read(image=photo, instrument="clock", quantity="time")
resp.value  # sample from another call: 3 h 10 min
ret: 9 h 06 min
